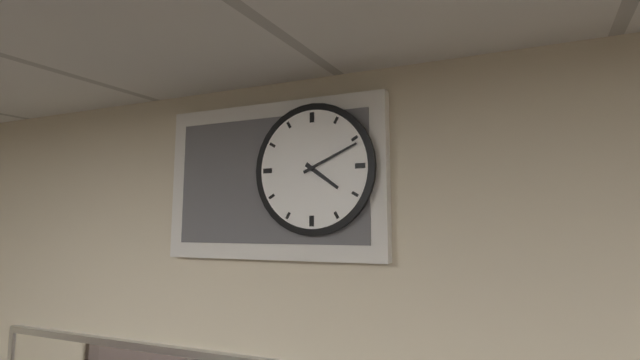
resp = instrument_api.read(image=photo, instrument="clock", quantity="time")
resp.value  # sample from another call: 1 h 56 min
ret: 4 h 11 min
